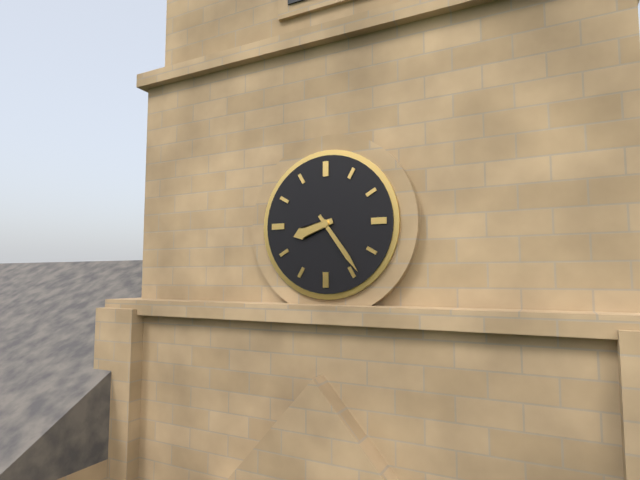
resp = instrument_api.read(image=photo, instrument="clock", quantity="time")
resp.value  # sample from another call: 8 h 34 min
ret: 8 h 24 min
